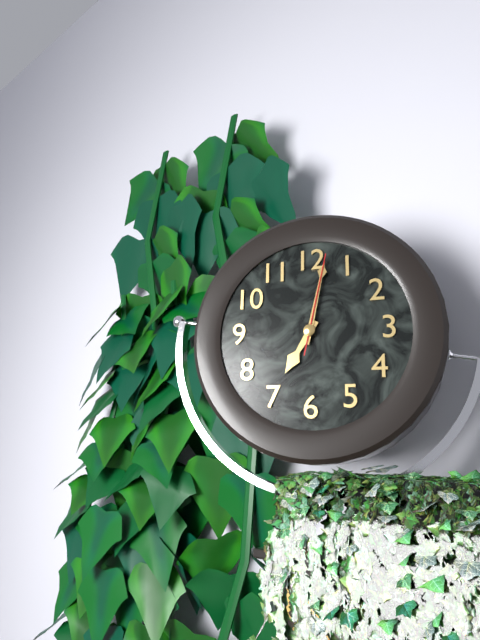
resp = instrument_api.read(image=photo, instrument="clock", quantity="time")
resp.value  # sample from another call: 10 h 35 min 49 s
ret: 7 h 02 min 02 s
